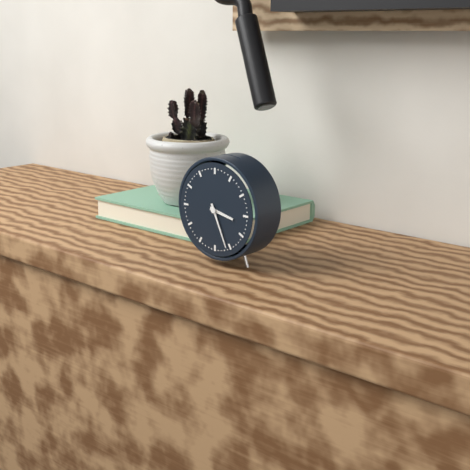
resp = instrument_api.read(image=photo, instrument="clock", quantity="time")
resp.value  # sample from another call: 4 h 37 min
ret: 3 h 26 min
